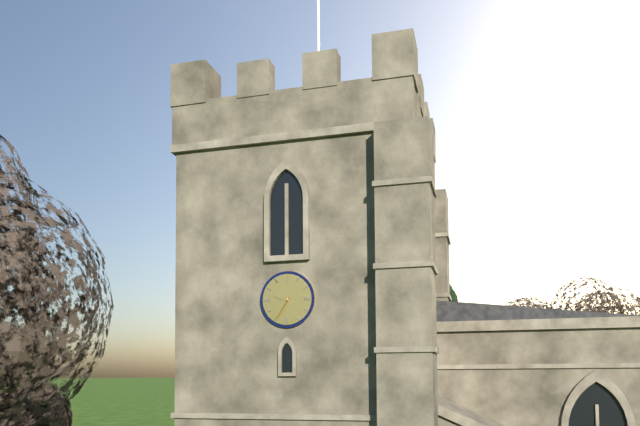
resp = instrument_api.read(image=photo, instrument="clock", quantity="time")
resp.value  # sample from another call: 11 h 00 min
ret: 9 h 35 min
